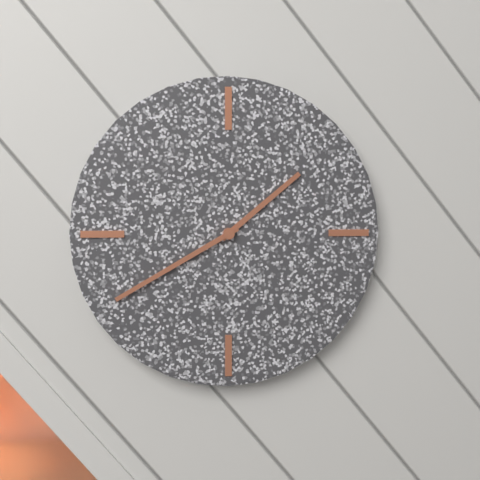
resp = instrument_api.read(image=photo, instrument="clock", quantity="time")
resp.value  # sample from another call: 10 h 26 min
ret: 1 h 40 min
